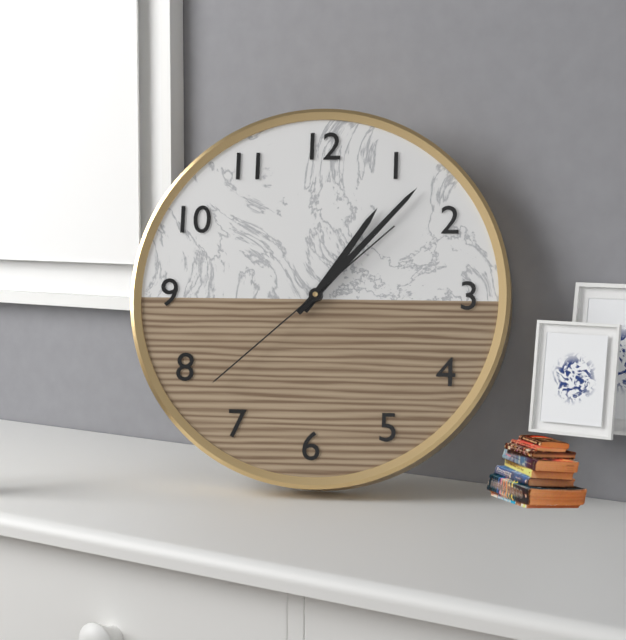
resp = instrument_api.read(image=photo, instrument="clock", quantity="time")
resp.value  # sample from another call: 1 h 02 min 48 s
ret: 1 h 07 min 38 s
